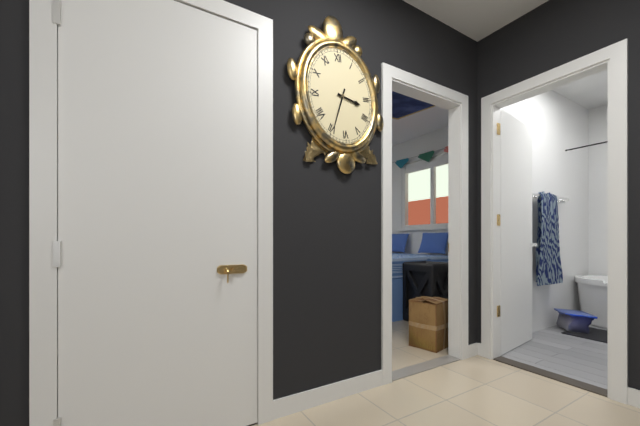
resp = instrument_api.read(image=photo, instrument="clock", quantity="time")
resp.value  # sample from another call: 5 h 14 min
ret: 3 h 34 min
